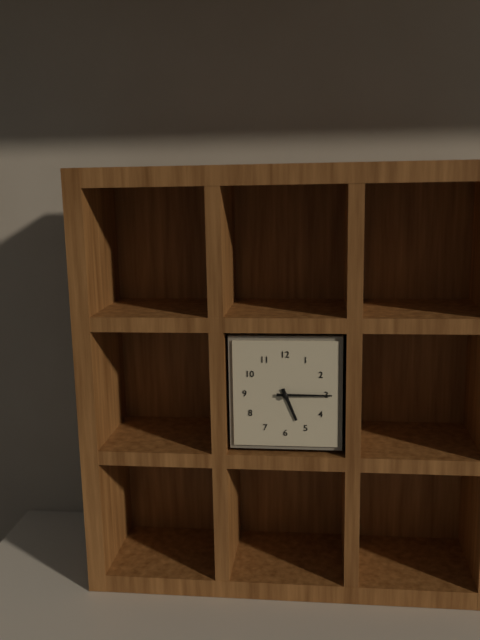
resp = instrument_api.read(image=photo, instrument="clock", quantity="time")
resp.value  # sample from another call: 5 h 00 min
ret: 5 h 15 min
